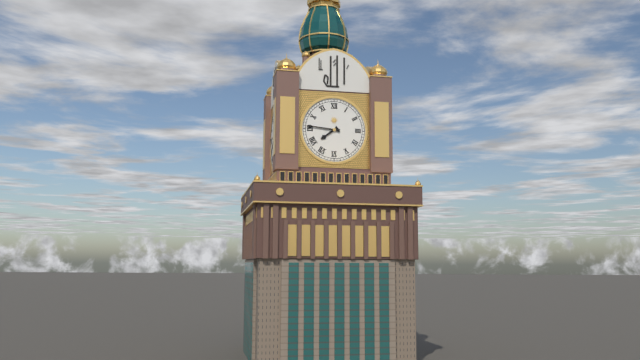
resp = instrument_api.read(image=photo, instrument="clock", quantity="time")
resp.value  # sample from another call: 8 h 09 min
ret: 7 h 46 min
